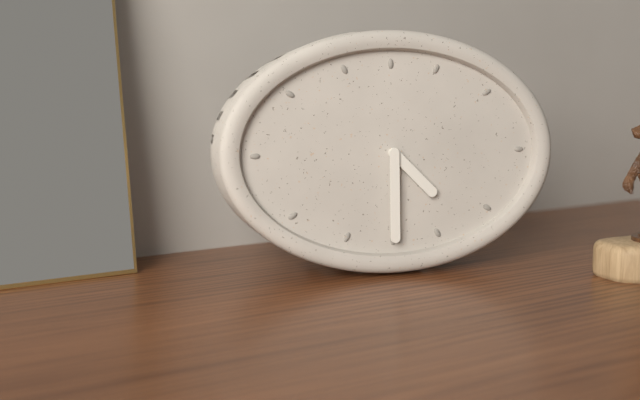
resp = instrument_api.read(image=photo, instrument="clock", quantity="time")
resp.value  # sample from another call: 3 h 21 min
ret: 4 h 30 min
